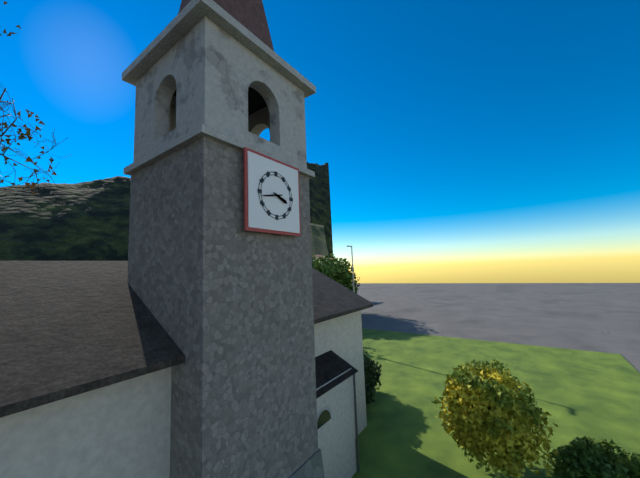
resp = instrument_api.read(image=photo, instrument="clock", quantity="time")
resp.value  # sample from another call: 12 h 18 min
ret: 3 h 43 min
